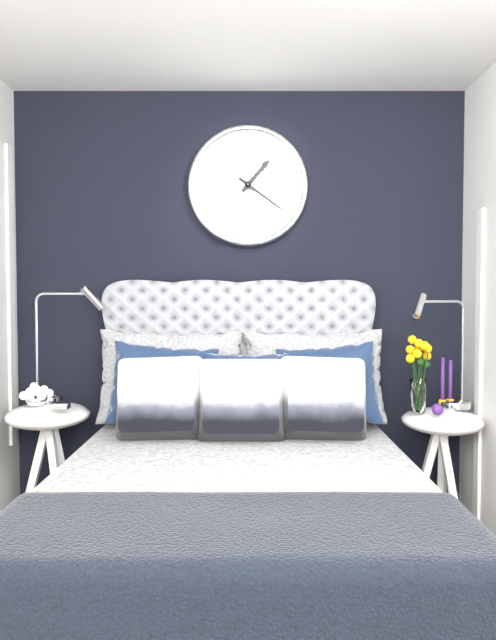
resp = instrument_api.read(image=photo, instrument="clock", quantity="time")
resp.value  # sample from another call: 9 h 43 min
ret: 1 h 21 min
